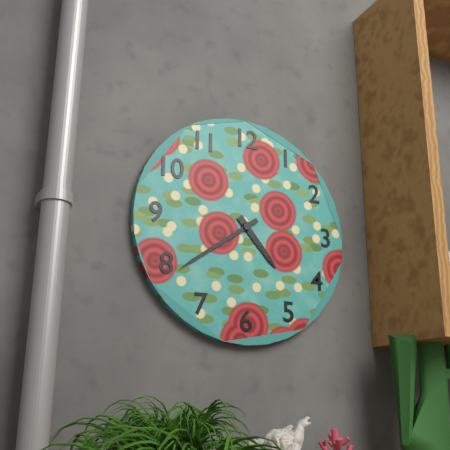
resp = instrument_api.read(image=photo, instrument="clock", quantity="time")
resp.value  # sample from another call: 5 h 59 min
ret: 4 h 39 min
